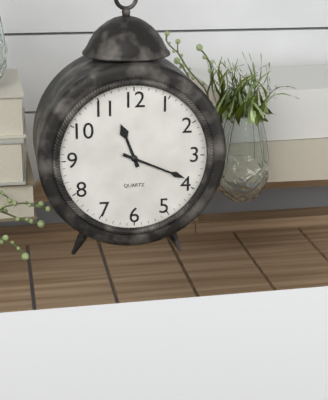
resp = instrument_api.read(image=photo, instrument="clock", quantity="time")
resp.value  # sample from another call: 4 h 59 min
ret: 11 h 19 min
